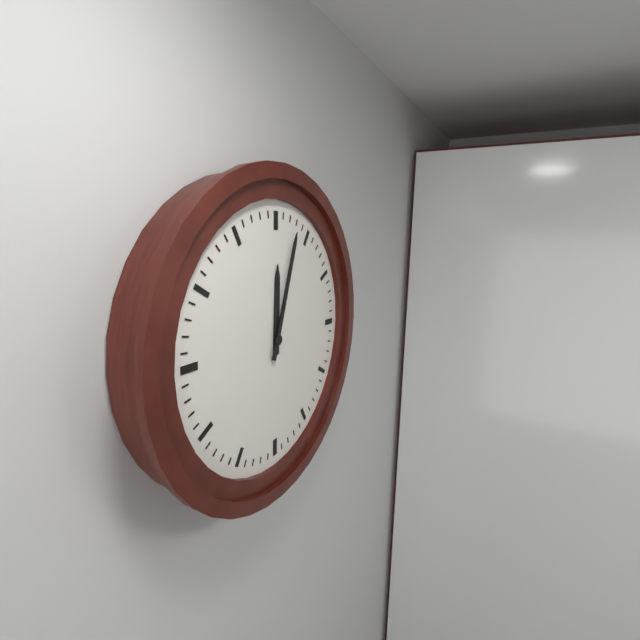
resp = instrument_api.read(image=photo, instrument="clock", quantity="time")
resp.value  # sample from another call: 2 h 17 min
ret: 12 h 03 min
